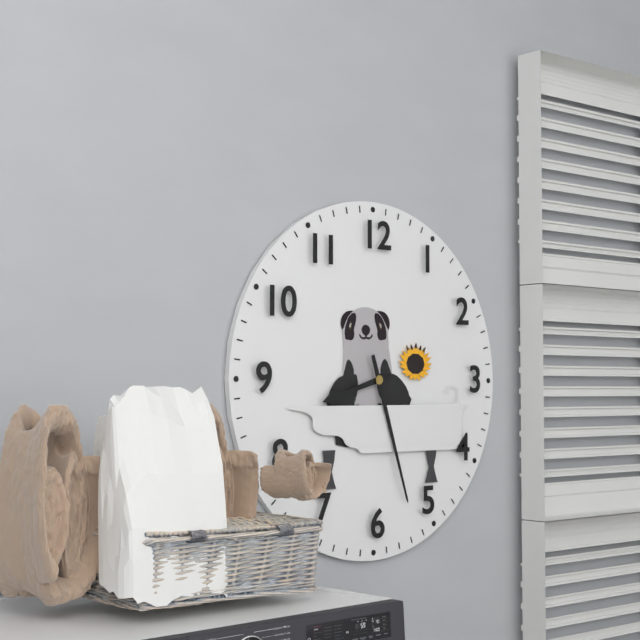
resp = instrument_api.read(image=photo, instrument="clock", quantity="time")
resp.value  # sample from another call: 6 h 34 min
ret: 8 h 27 min
